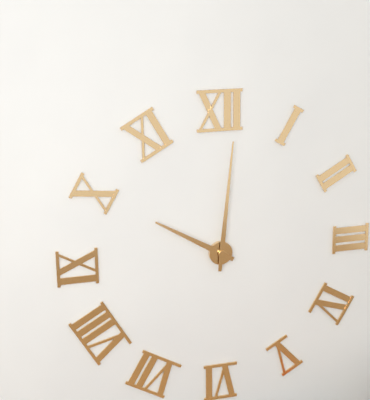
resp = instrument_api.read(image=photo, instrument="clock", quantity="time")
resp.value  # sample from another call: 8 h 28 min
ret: 10 h 01 min
